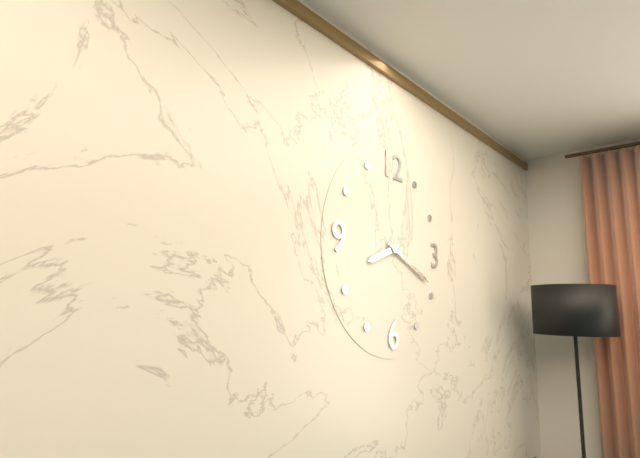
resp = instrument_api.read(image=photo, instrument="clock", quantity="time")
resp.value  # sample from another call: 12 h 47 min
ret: 8 h 19 min
